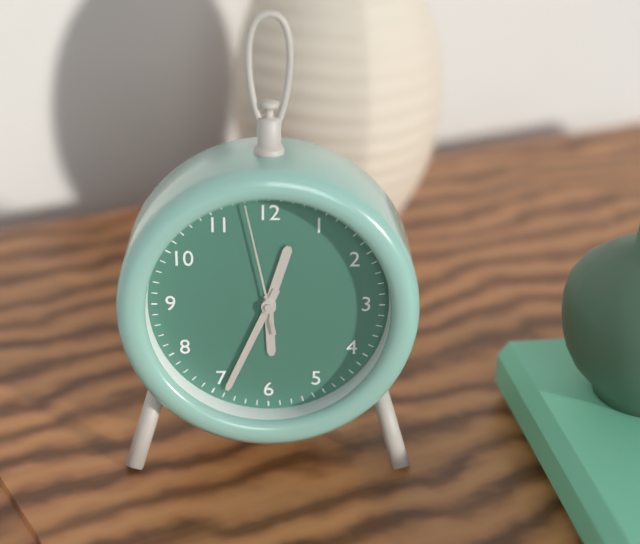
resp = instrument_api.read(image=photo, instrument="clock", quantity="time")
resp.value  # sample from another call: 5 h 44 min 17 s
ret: 12 h 34 min 58 s
